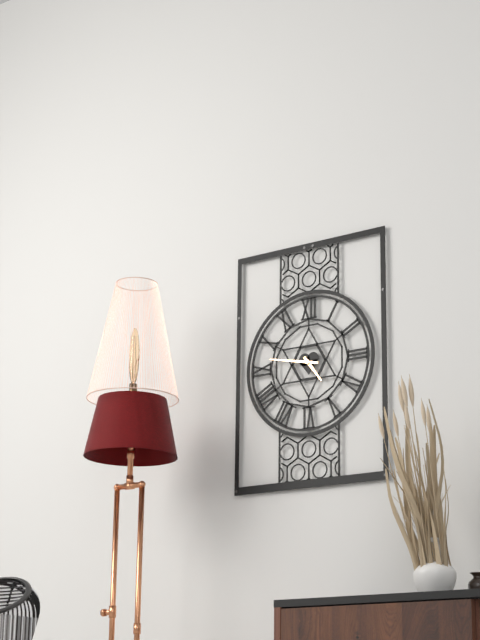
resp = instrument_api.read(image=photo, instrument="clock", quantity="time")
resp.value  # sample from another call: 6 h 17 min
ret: 4 h 47 min
